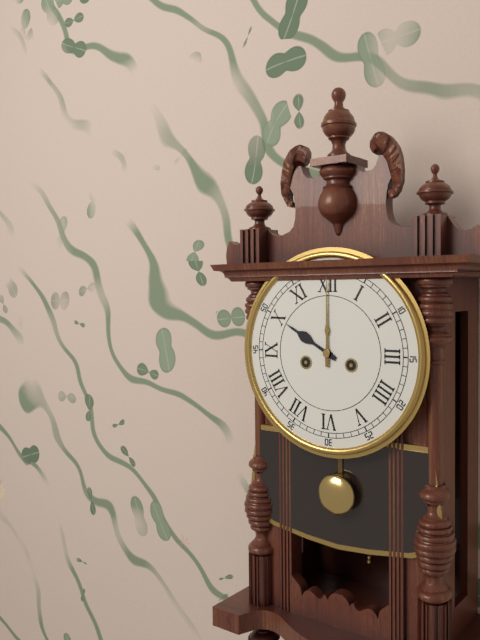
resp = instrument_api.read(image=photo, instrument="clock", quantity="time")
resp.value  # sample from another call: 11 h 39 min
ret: 10 h 00 min
